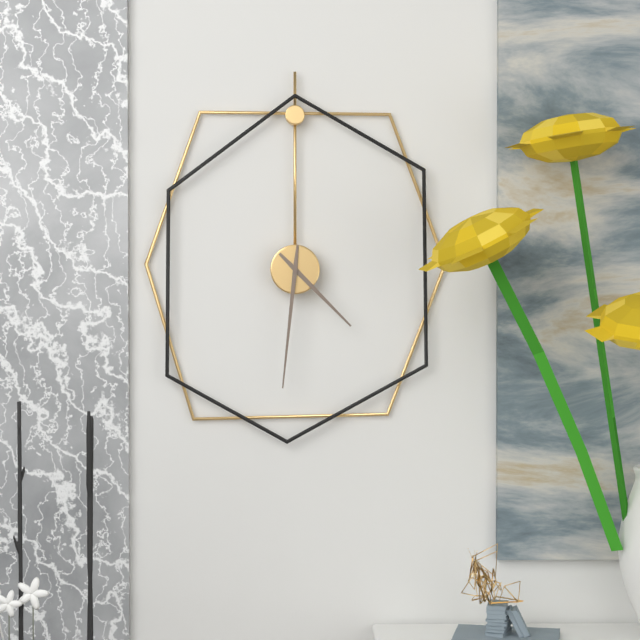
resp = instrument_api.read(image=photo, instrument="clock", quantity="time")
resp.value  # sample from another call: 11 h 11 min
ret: 4 h 31 min
